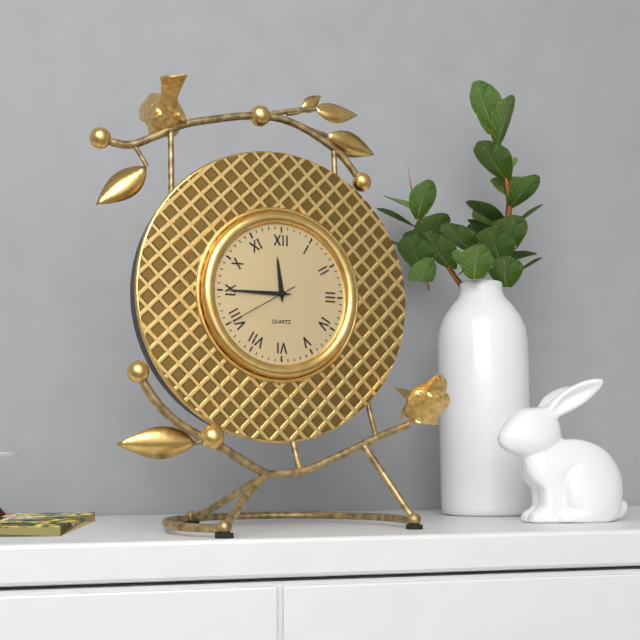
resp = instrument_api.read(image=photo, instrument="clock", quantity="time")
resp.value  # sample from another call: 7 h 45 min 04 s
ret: 11 h 45 min 40 s
